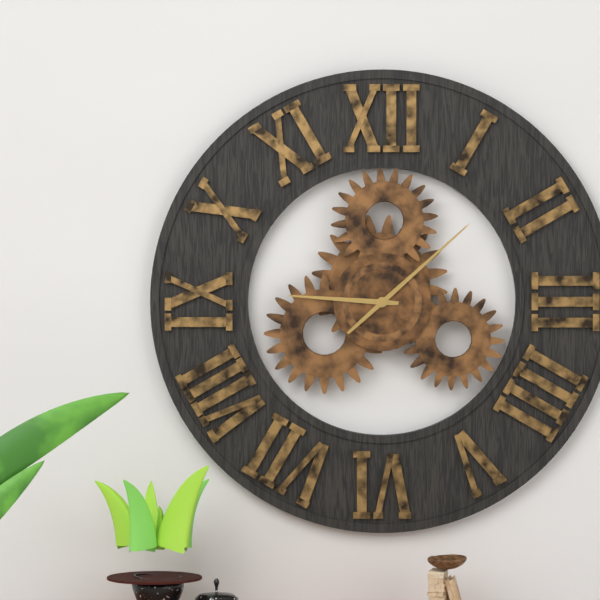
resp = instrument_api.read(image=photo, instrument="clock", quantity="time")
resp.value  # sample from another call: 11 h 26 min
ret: 9 h 08 min
